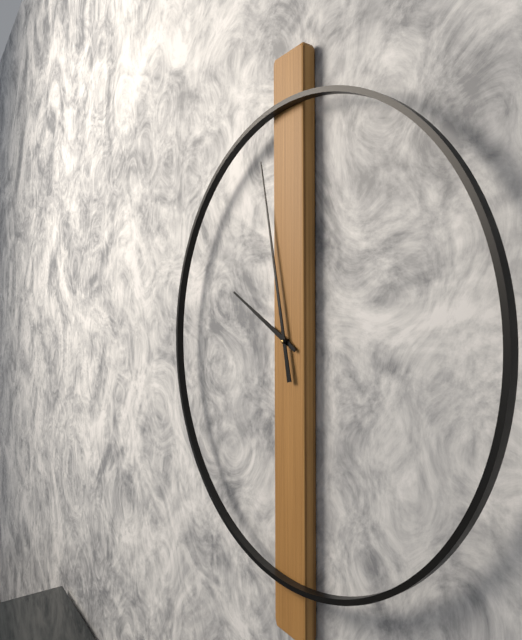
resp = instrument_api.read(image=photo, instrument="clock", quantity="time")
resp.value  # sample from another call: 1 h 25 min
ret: 9 h 58 min
